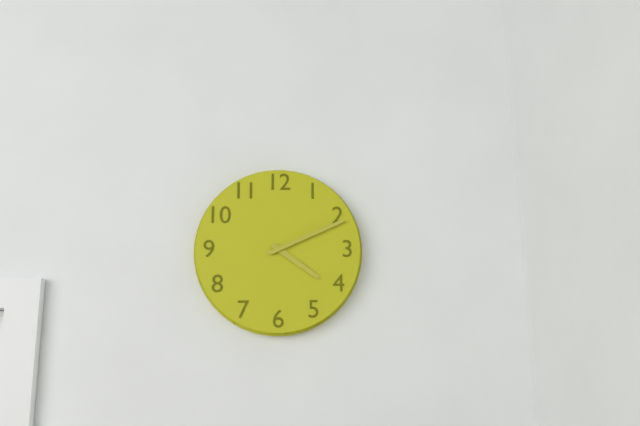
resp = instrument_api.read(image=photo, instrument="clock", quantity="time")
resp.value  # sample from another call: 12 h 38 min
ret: 4 h 11 min
